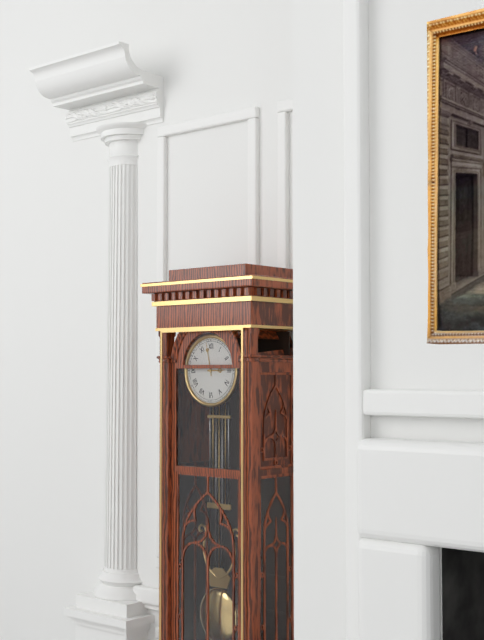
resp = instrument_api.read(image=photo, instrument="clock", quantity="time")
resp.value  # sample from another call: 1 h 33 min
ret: 2 h 58 min
